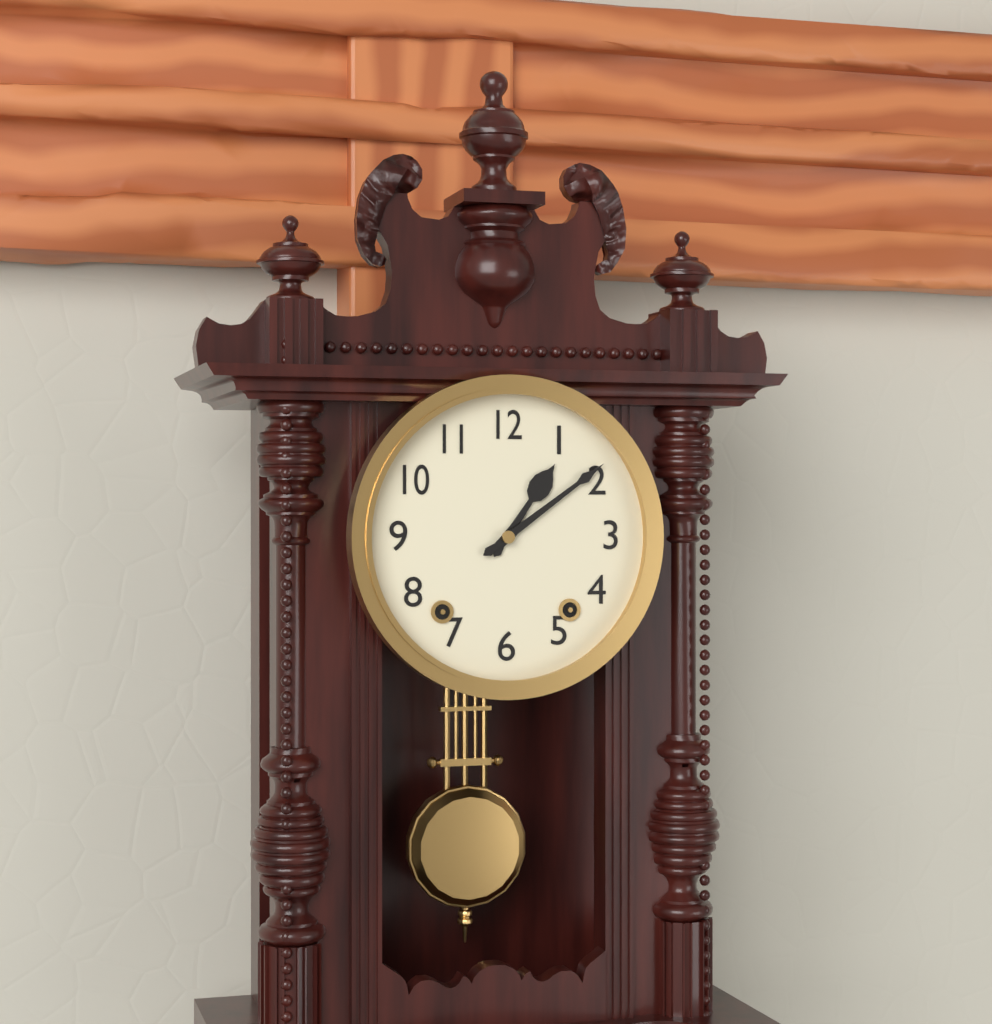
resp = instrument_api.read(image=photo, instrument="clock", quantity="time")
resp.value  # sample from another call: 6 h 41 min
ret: 1 h 09 min
